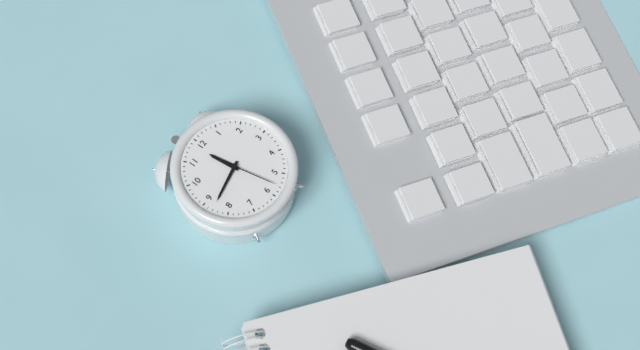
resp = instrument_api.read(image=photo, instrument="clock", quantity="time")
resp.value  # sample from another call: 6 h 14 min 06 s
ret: 11 h 43 min 28 s
